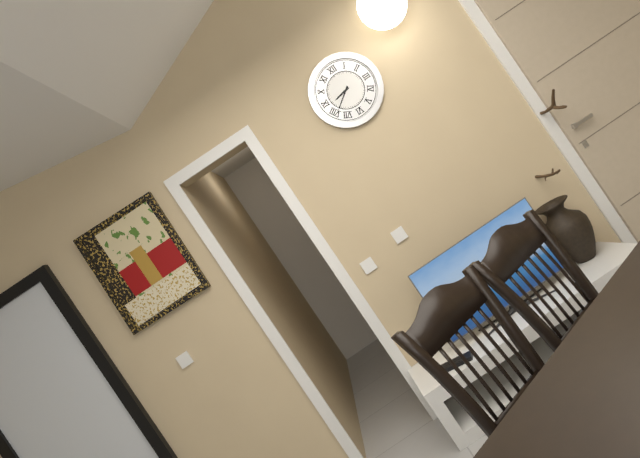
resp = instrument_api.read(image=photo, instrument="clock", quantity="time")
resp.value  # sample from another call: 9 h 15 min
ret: 8 h 39 min
